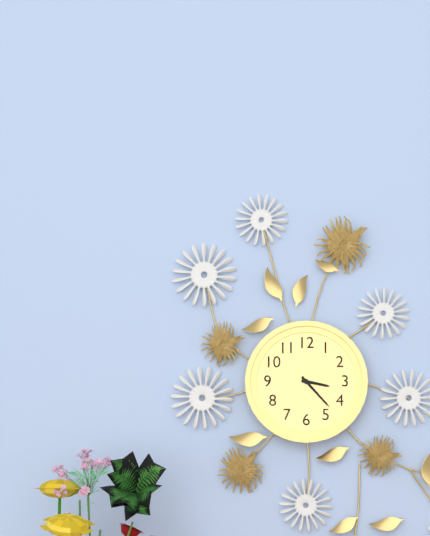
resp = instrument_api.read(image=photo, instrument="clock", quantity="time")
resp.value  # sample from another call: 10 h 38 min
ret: 3 h 23 min
